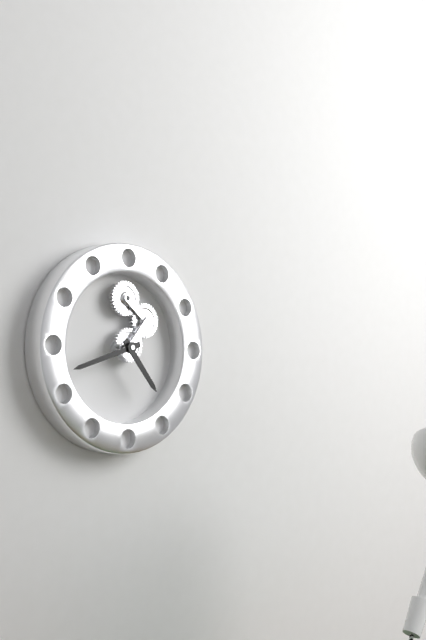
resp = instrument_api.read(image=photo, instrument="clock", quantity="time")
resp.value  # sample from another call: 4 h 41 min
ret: 4 h 42 min
